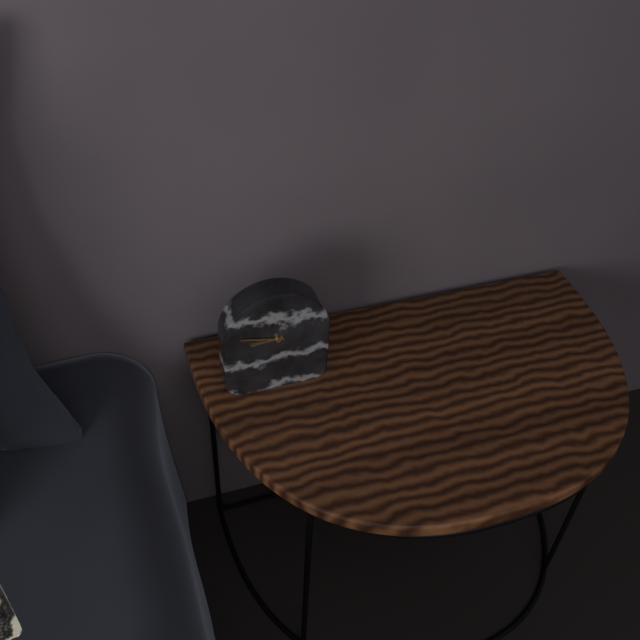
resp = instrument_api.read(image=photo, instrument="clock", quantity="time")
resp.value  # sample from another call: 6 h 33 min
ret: 8 h 47 min
